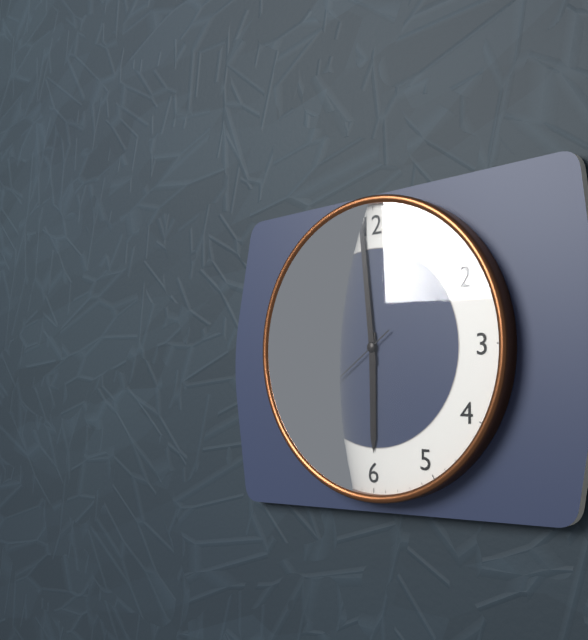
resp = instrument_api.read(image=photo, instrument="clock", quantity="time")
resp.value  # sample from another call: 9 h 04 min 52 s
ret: 5 h 59 min 39 s
